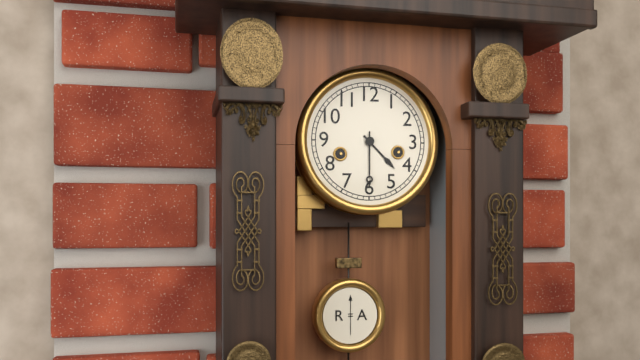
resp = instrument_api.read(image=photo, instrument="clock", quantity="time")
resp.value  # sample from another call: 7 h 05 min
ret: 4 h 30 min
